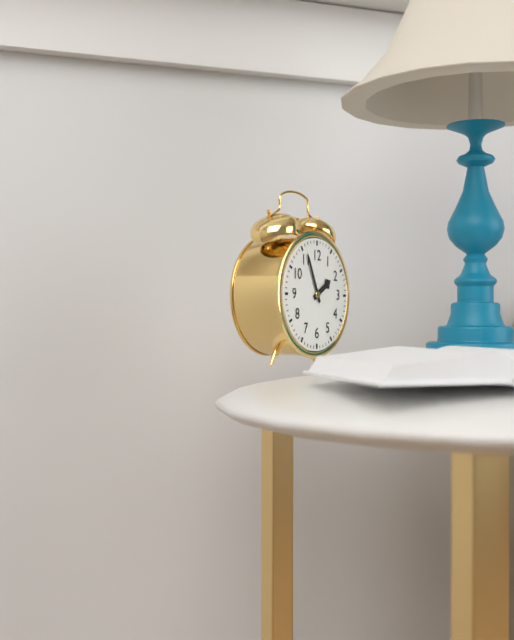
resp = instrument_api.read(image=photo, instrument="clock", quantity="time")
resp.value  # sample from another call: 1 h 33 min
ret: 1 h 56 min
